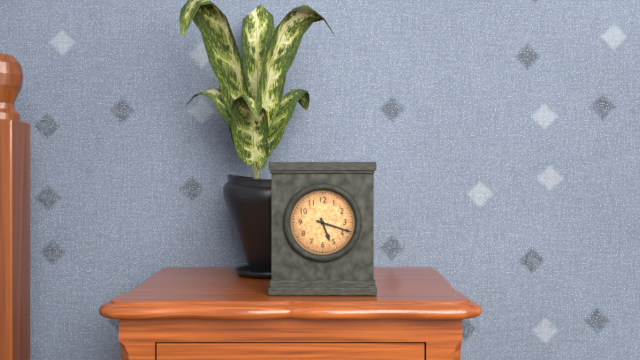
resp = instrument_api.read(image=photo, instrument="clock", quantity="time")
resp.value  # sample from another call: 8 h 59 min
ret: 5 h 18 min
